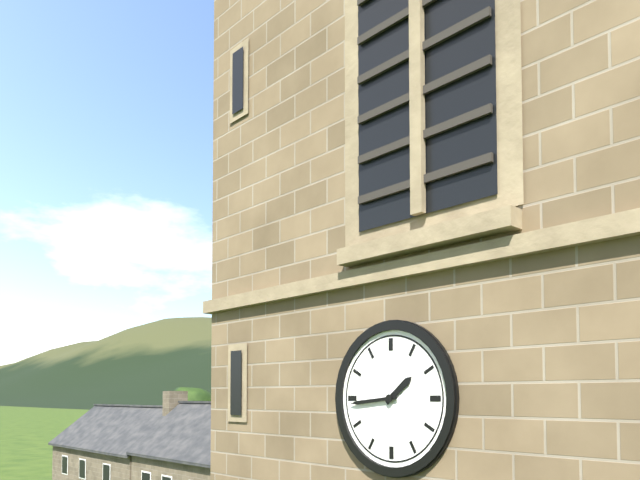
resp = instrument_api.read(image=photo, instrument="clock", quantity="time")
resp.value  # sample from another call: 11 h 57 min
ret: 1 h 44 min
